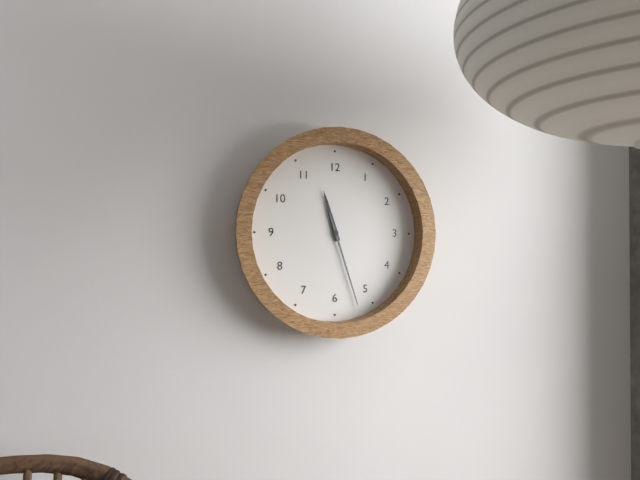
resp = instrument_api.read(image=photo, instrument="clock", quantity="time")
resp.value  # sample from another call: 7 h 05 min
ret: 11 h 27 min
